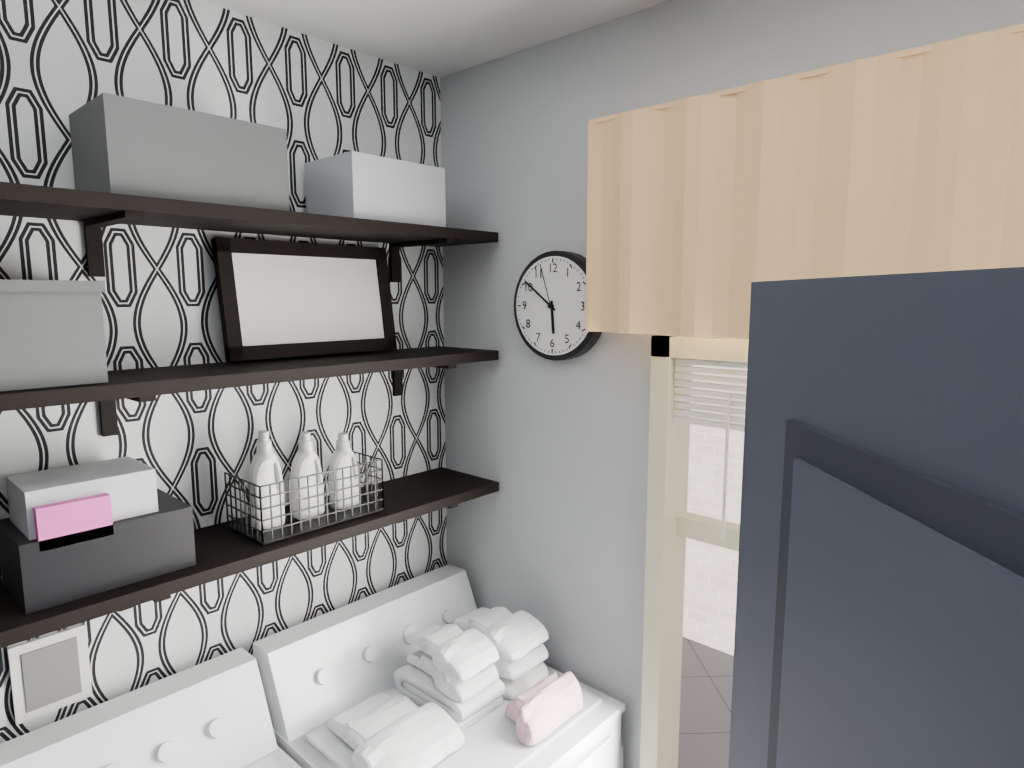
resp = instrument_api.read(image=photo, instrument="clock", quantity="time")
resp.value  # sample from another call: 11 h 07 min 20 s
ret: 5 h 51 min 57 s
